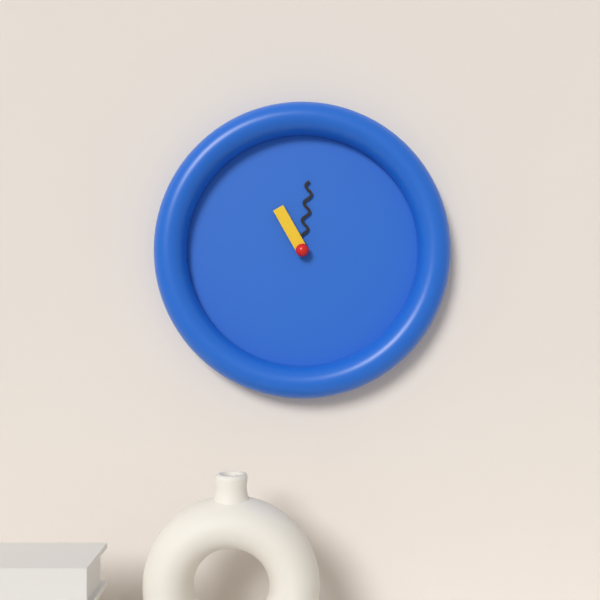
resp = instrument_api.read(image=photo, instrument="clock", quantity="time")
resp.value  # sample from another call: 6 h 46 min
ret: 11 h 01 min
